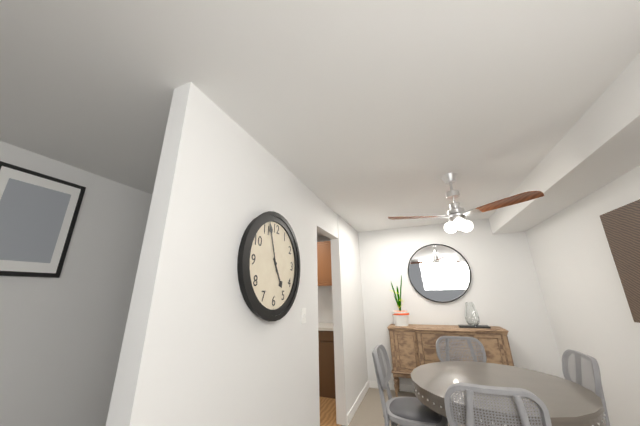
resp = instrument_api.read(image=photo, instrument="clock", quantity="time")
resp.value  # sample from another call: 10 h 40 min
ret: 4 h 57 min
